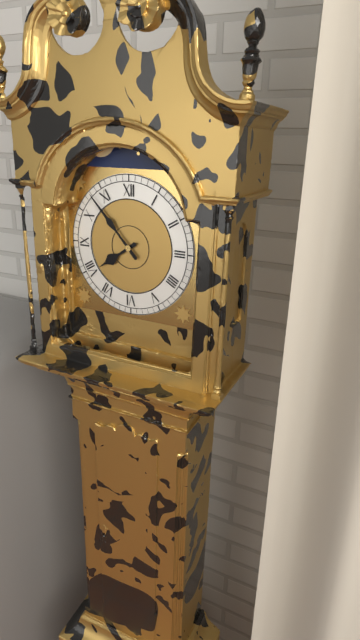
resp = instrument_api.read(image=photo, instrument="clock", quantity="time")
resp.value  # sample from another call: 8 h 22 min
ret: 7 h 53 min
